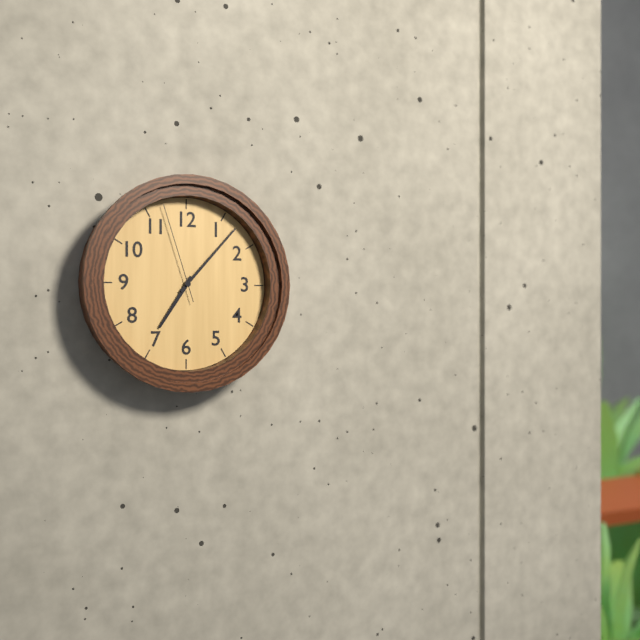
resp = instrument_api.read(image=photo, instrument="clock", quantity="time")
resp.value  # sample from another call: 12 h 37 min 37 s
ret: 7 h 07 min 57 s
